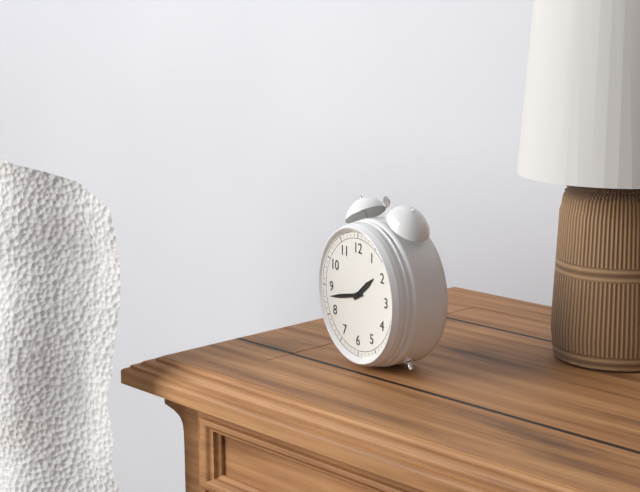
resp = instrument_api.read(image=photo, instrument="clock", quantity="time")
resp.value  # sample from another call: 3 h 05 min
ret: 1 h 43 min
